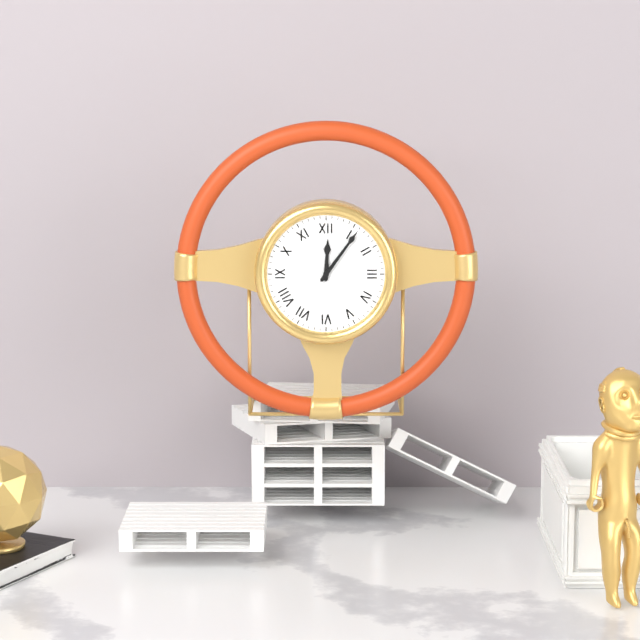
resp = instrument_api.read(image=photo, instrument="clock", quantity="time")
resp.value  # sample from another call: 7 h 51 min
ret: 12 h 06 min
